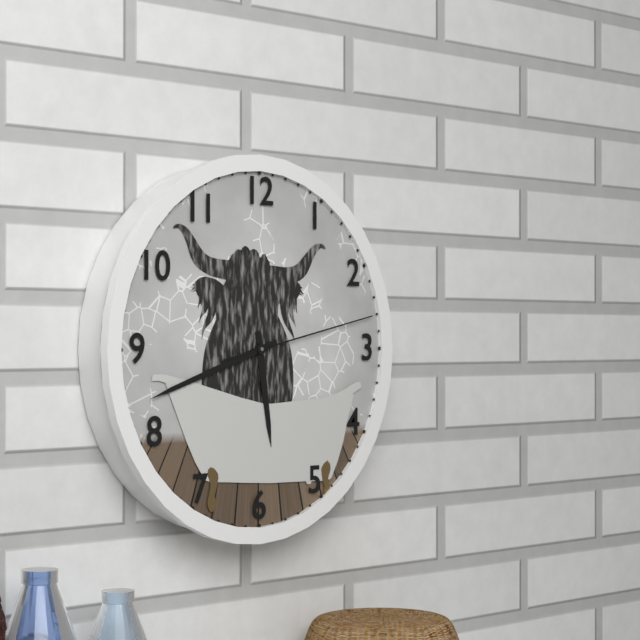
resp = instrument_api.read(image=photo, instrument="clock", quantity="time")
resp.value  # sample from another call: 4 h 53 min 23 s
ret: 5 h 42 min 13 s
